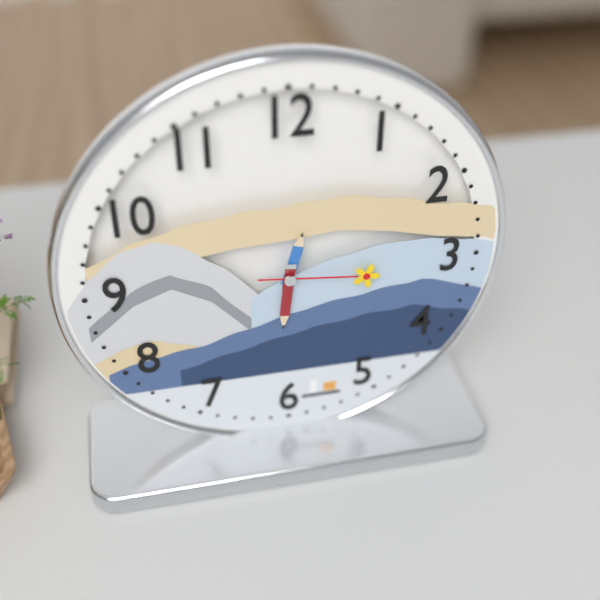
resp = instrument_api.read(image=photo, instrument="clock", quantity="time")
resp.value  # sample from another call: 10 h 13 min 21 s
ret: 12 h 31 min 16 s
